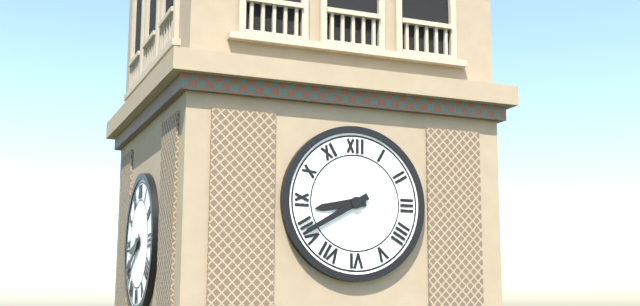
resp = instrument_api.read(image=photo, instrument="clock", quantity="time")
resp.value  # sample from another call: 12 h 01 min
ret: 8 h 40 min
